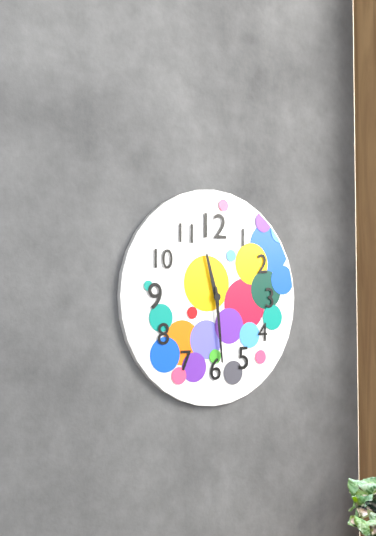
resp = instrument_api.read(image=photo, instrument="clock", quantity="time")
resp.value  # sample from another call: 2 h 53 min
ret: 11 h 29 min
